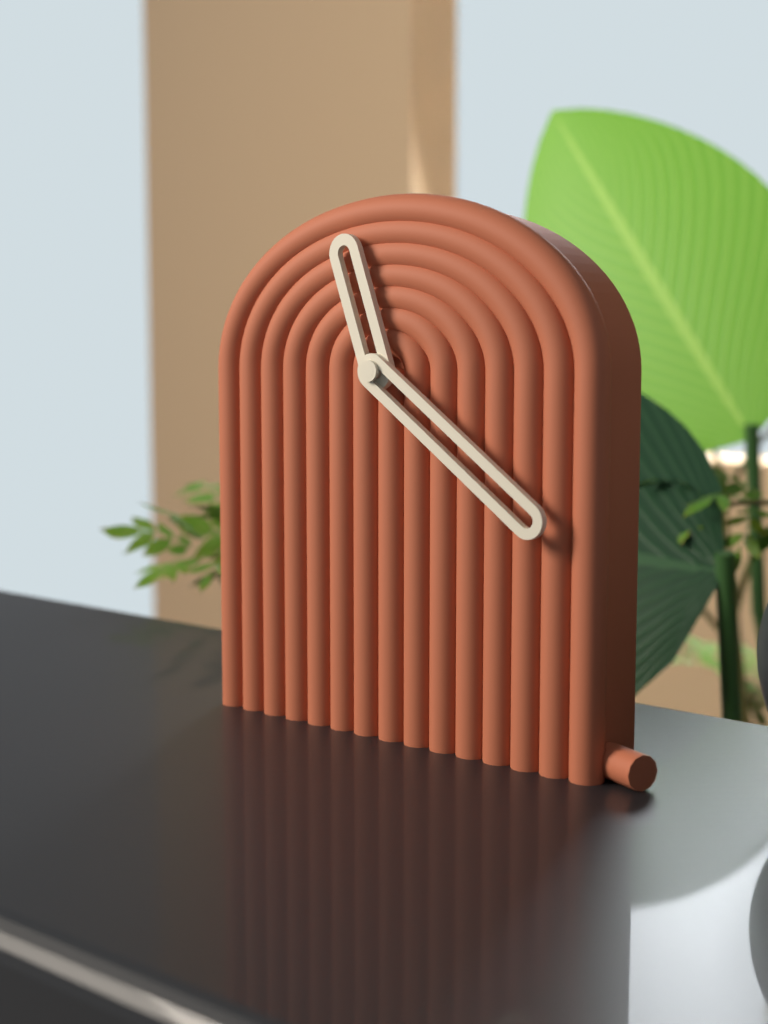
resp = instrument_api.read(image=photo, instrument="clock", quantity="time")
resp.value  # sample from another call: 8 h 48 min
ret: 11 h 21 min
